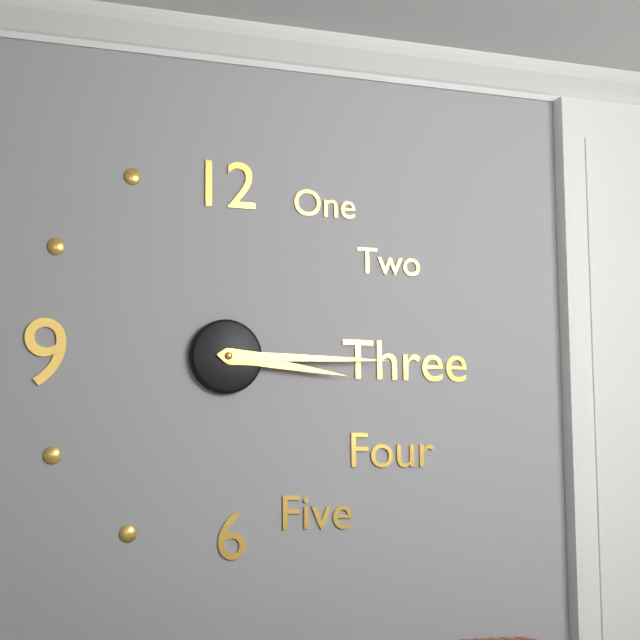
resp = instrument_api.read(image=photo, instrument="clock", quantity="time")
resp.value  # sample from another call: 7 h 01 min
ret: 3 h 15 min
